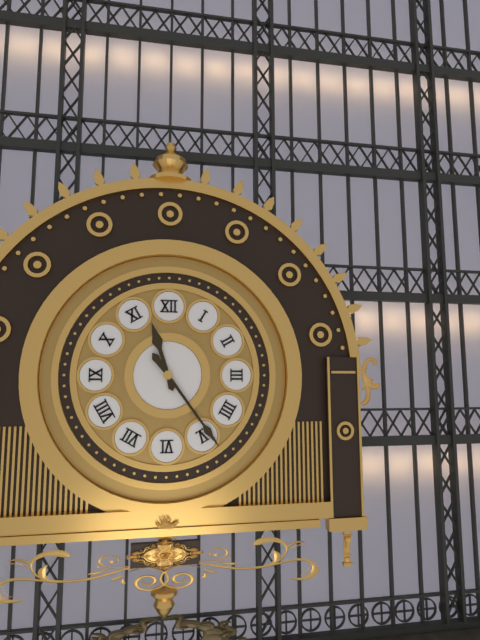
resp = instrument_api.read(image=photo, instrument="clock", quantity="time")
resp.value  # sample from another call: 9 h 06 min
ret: 11 h 24 min
